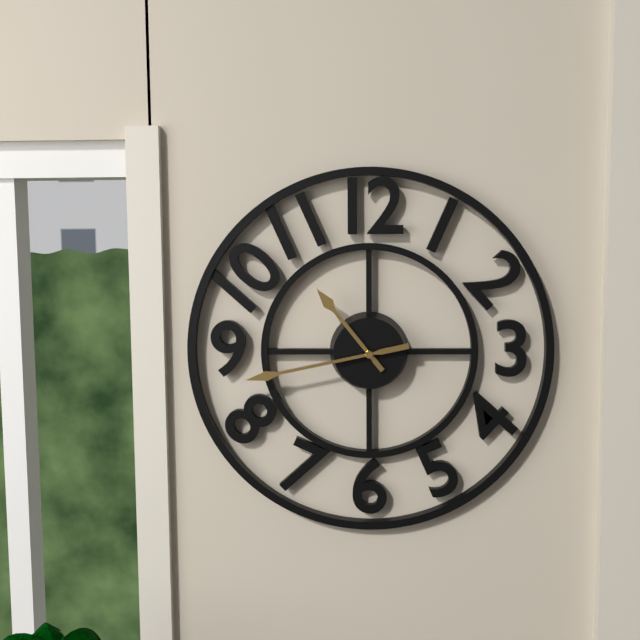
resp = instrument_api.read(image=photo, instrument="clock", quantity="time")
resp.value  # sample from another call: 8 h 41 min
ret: 10 h 43 min
